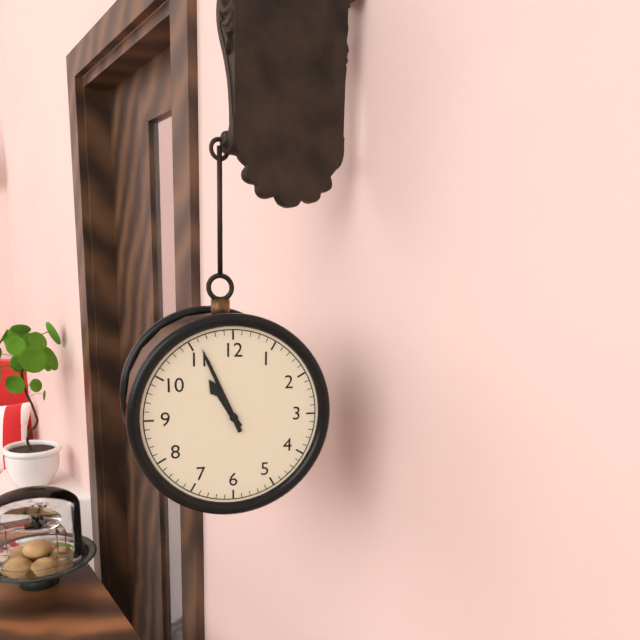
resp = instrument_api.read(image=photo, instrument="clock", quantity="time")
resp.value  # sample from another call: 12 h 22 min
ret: 10 h 56 min
